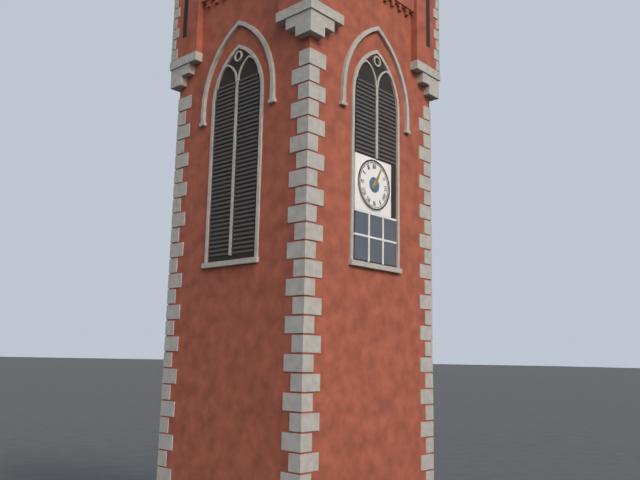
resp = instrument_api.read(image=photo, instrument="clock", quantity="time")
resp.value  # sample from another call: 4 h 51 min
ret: 1 h 05 min
